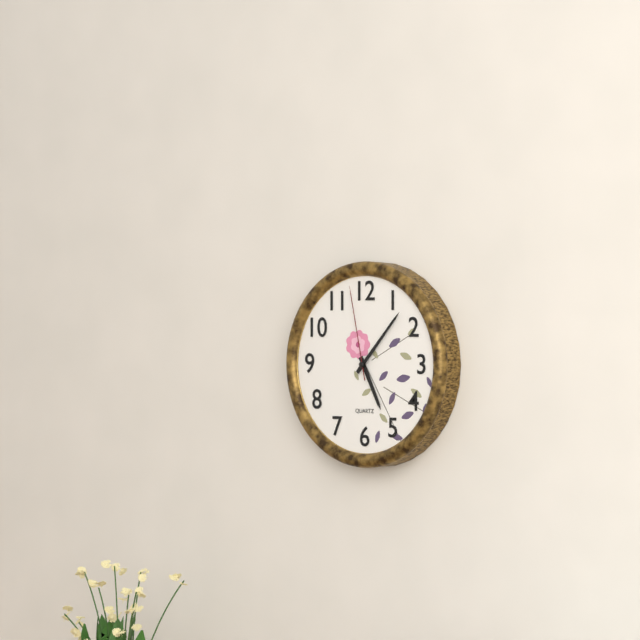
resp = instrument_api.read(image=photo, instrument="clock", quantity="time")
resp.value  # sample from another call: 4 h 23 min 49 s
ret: 5 h 07 min 58 s
